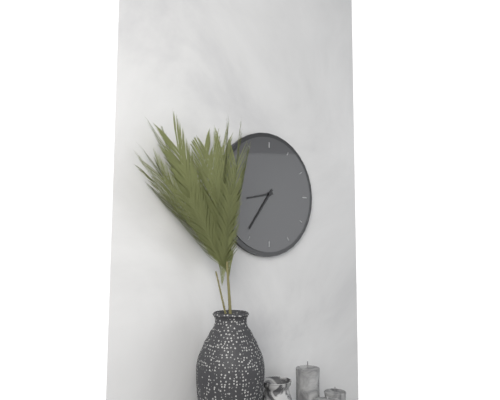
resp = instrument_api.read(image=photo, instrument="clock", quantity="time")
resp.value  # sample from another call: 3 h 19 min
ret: 8 h 36 min
